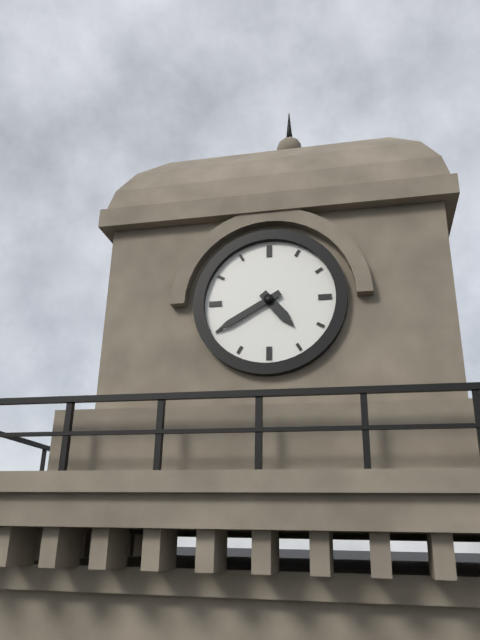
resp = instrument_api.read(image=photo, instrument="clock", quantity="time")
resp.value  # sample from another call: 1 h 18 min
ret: 4 h 40 min
